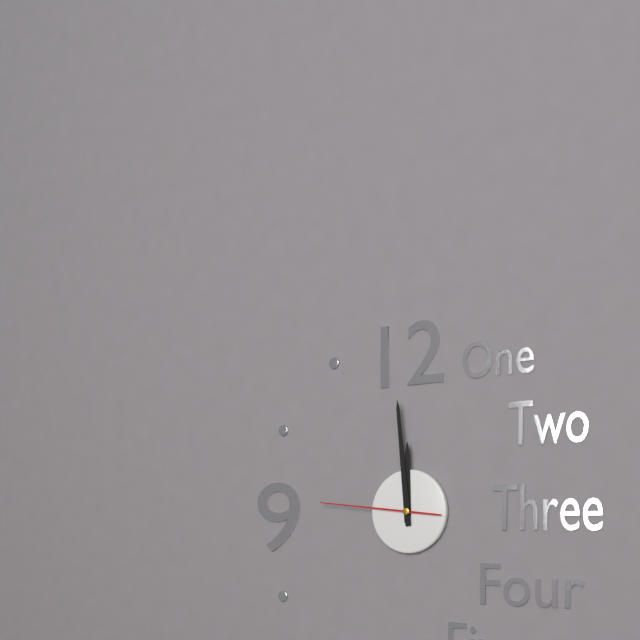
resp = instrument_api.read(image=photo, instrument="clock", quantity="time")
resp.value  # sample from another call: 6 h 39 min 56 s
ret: 11 h 59 min 46 s
